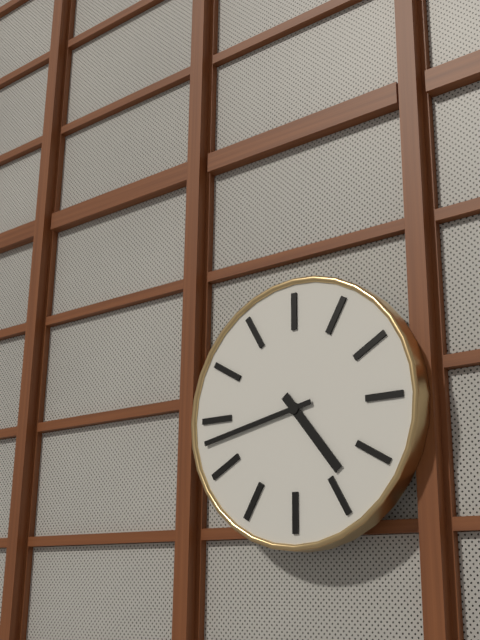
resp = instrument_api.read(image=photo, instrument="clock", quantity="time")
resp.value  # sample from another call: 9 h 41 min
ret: 4 h 43 min
